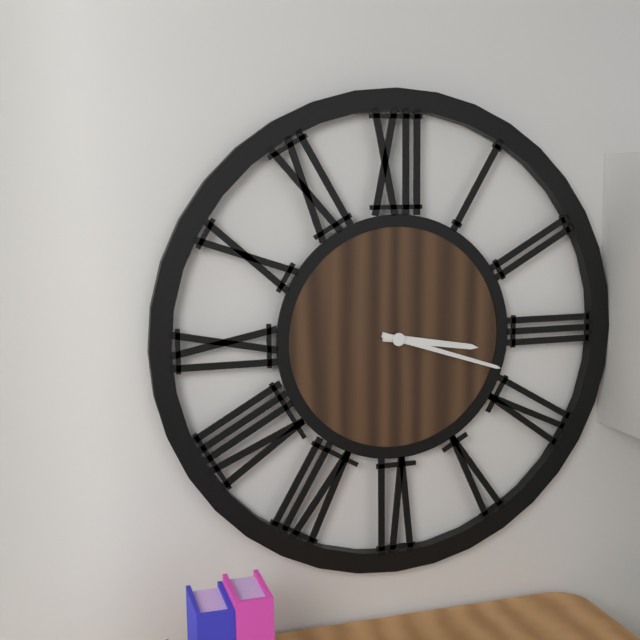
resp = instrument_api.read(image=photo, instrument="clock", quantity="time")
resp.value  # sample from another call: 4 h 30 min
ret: 3 h 18 min
